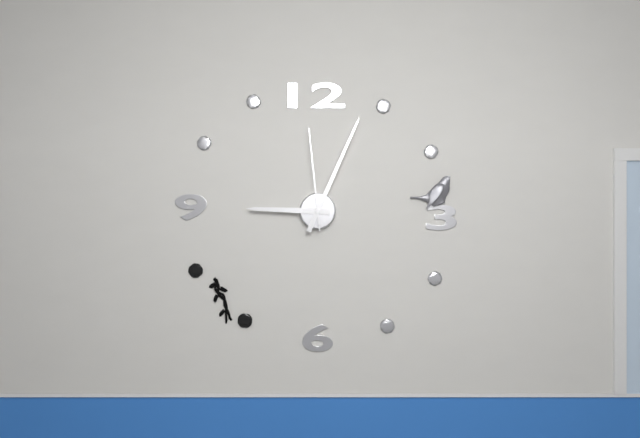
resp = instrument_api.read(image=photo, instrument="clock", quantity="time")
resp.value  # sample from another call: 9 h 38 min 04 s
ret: 9 h 04 min 59 s
